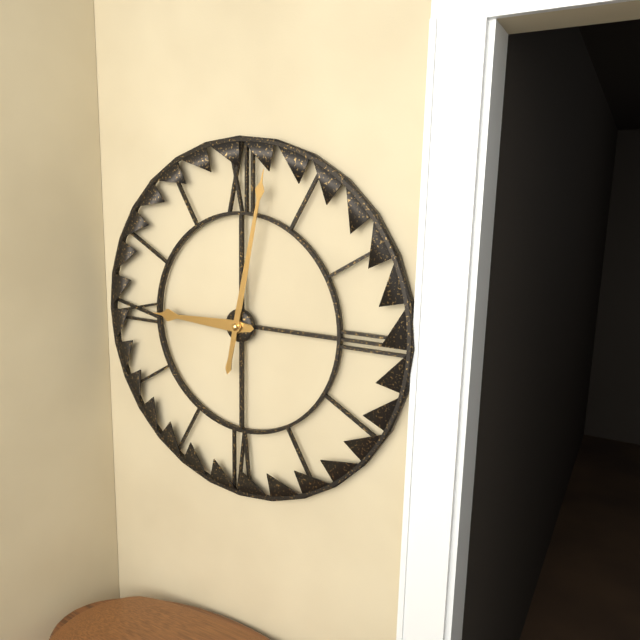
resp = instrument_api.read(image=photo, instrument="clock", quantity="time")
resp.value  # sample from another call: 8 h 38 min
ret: 9 h 02 min
